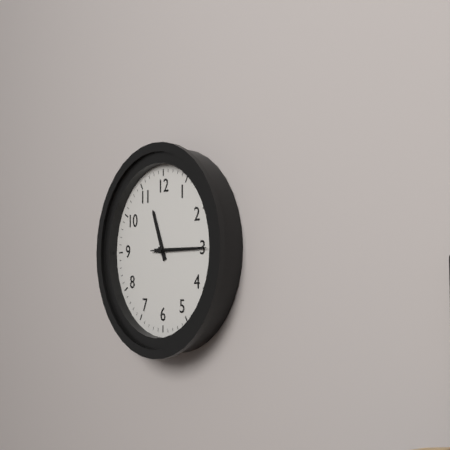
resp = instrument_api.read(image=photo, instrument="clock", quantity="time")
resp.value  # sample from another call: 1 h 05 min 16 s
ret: 11 h 15 min 15 s
